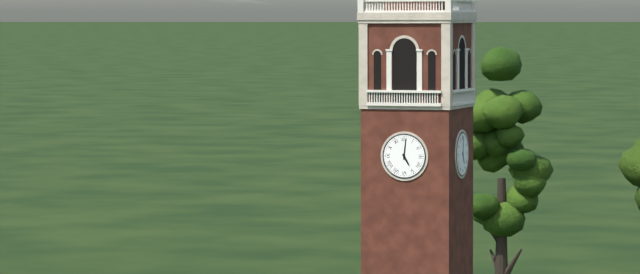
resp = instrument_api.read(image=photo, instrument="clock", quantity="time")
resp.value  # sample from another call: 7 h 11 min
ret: 5 h 01 min
